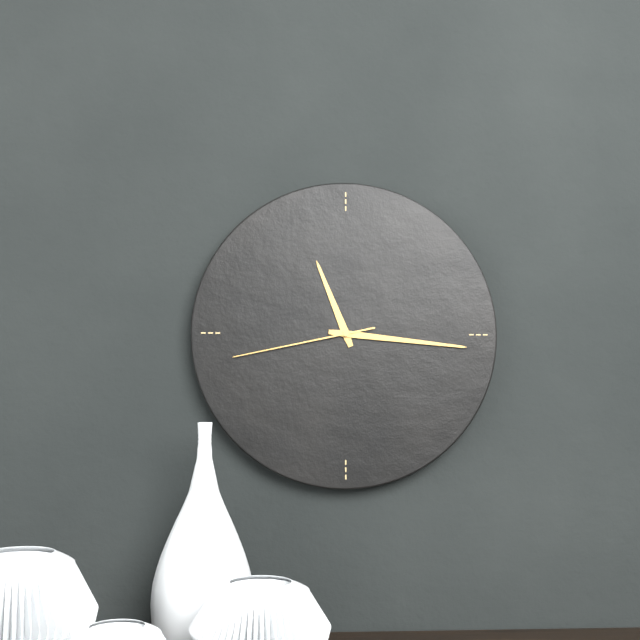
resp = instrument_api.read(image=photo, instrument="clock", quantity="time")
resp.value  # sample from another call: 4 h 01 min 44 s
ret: 11 h 16 min 43 s
